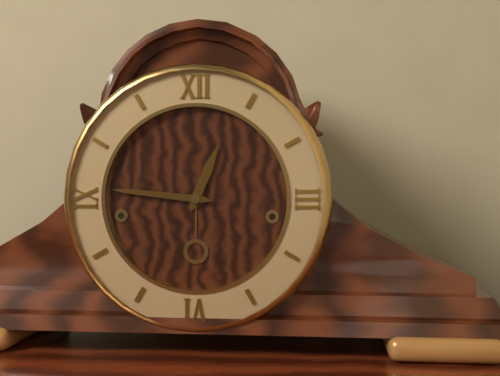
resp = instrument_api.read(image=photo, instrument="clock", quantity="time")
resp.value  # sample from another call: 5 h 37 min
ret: 12 h 46 min
